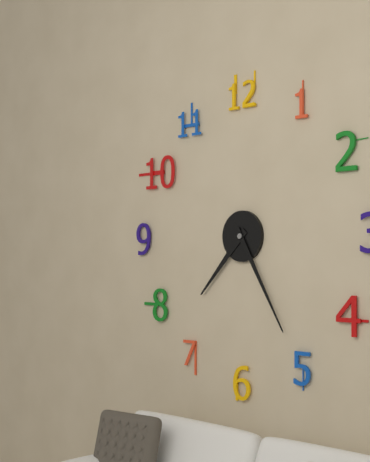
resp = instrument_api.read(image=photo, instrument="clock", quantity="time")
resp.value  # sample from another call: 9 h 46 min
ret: 7 h 25 min
